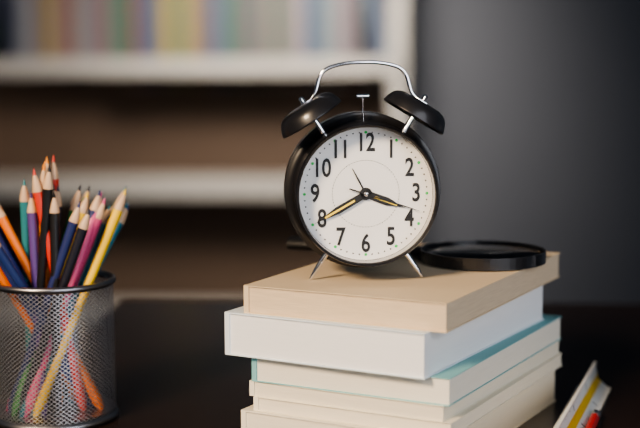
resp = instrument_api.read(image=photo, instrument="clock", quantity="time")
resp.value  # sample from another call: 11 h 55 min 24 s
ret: 3 h 40 min 18 s
